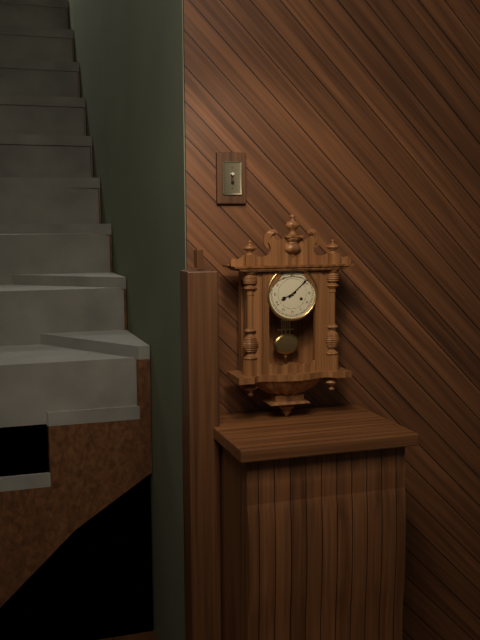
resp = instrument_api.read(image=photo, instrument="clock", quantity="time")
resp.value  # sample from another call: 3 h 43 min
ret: 8 h 08 min
